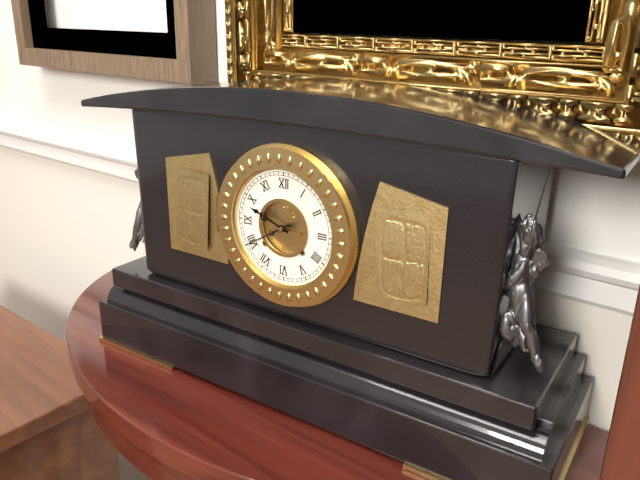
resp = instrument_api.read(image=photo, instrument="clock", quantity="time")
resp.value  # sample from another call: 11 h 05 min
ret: 9 h 40 min
